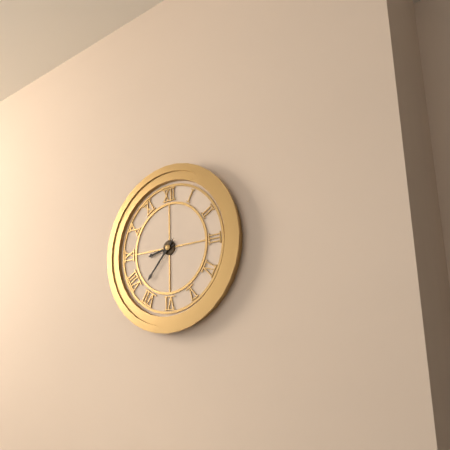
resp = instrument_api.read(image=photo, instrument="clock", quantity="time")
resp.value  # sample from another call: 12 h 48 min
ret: 8 h 37 min
